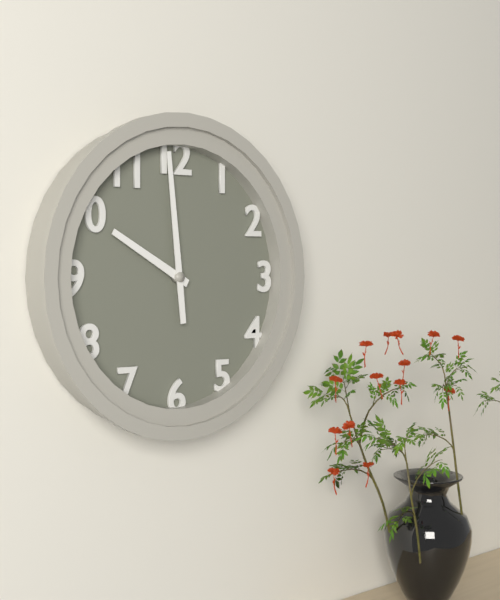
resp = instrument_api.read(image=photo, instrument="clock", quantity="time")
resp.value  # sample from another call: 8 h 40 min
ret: 9 h 59 min
